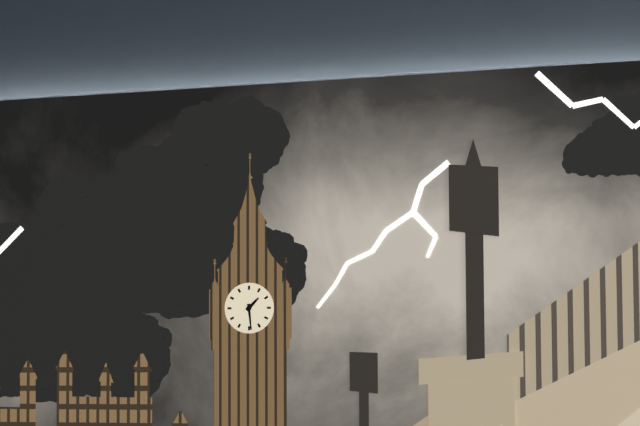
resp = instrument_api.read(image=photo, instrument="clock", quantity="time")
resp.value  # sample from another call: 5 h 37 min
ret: 1 h 29 min
